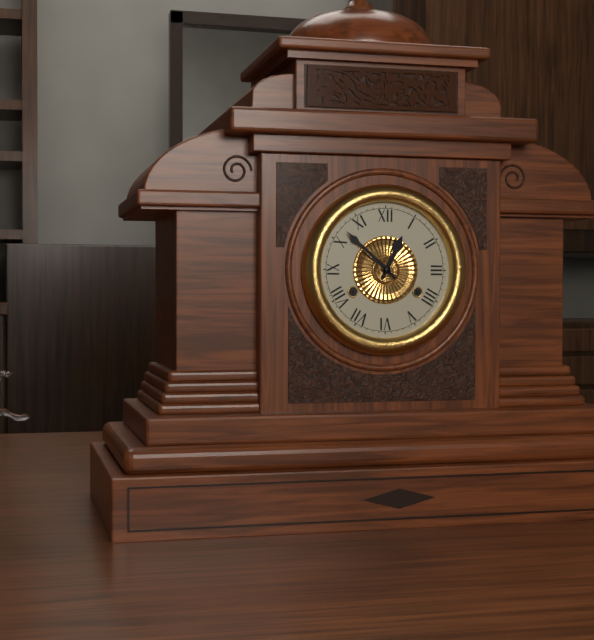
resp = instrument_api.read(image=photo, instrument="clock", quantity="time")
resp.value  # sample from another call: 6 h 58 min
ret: 12 h 52 min
